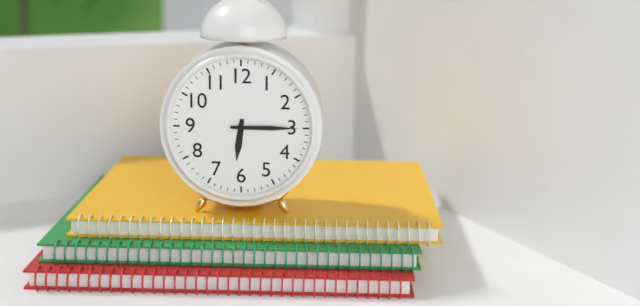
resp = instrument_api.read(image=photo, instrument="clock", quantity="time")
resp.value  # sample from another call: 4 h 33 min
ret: 6 h 15 min
